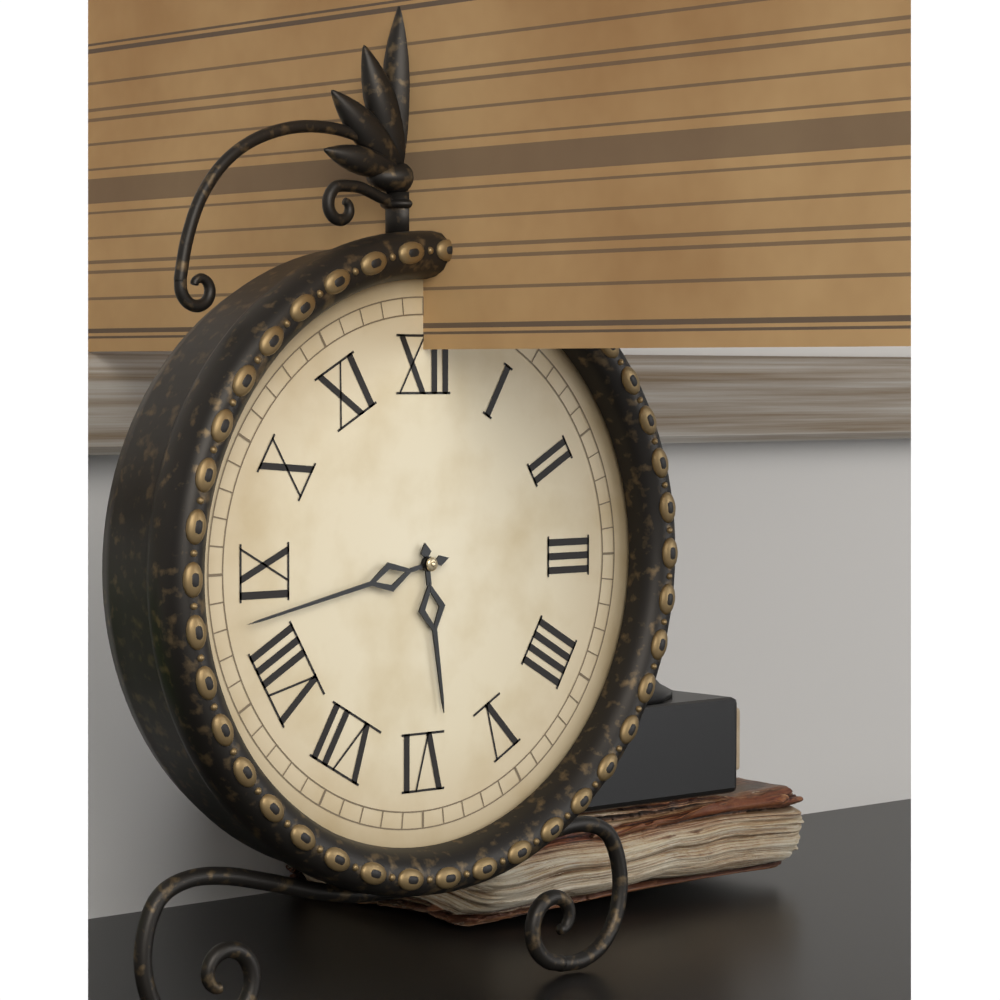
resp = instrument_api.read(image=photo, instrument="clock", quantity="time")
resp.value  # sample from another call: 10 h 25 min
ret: 5 h 43 min
